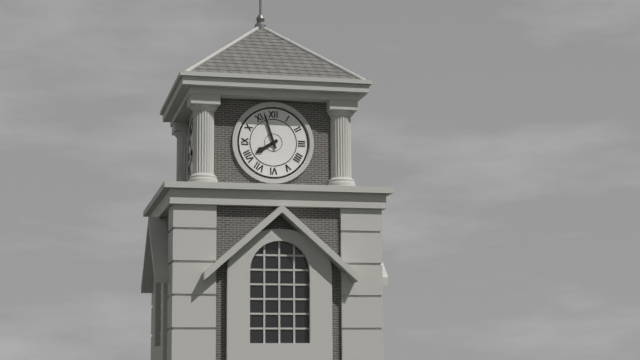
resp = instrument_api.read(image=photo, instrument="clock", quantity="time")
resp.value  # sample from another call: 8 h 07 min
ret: 7 h 57 min
